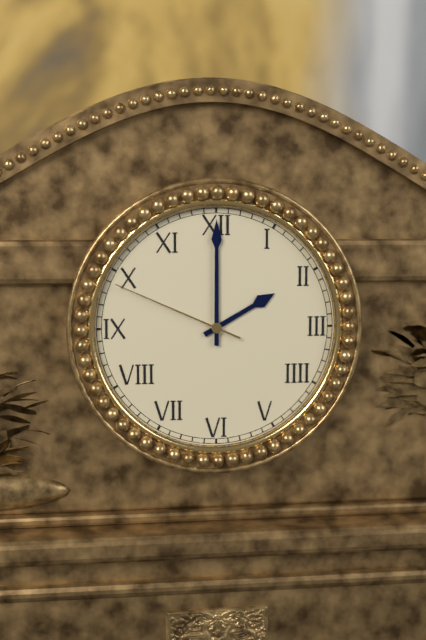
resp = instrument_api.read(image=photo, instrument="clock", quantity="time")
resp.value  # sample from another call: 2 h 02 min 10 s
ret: 2 h 00 min 49 s
